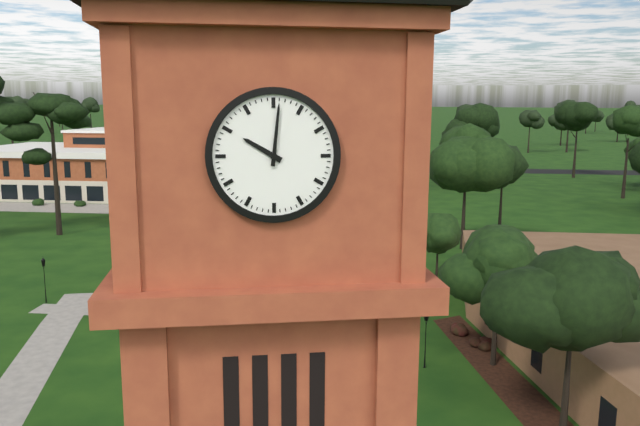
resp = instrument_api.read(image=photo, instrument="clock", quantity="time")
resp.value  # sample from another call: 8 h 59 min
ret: 10 h 01 min
